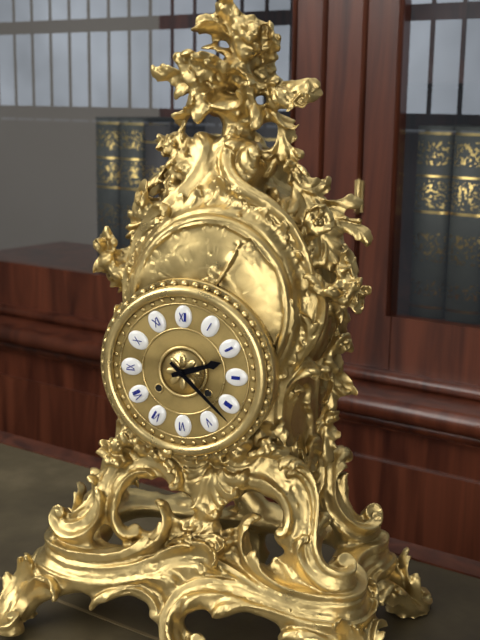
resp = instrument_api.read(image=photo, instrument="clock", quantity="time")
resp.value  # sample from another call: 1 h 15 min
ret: 2 h 22 min
